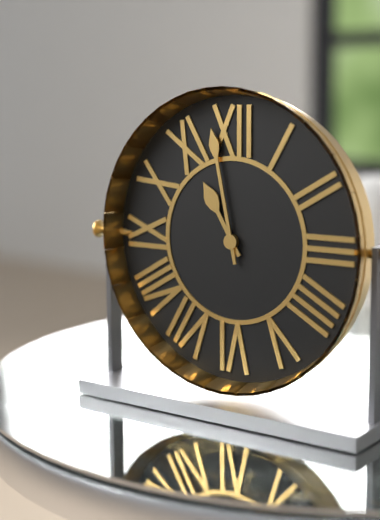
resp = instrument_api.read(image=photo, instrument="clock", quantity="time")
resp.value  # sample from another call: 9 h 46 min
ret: 10 h 58 min
